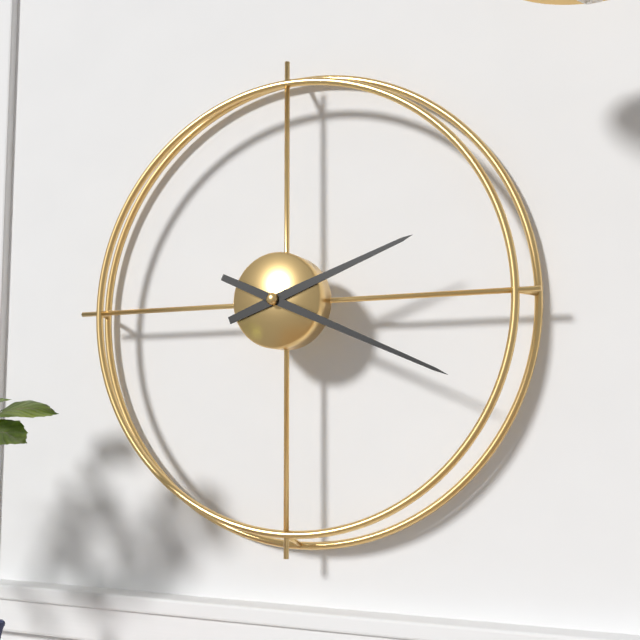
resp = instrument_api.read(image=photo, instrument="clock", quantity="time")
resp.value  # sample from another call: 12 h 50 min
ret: 2 h 19 min
